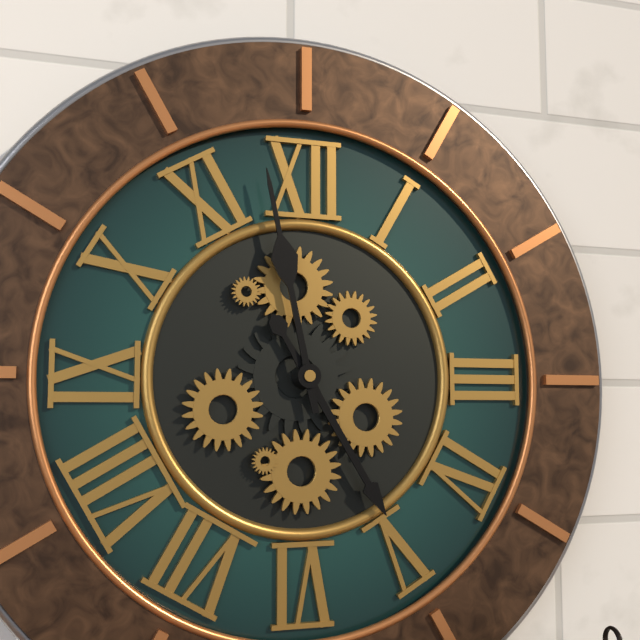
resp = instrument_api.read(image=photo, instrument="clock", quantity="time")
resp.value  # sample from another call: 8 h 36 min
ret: 4 h 58 min
